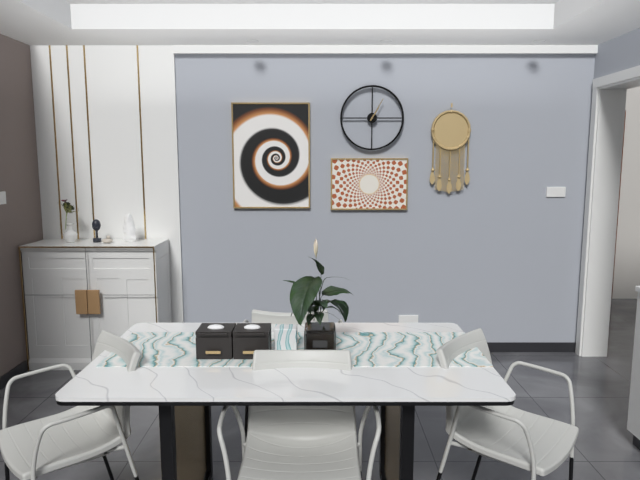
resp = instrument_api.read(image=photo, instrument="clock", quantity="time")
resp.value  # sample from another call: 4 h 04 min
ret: 1 h 05 min
